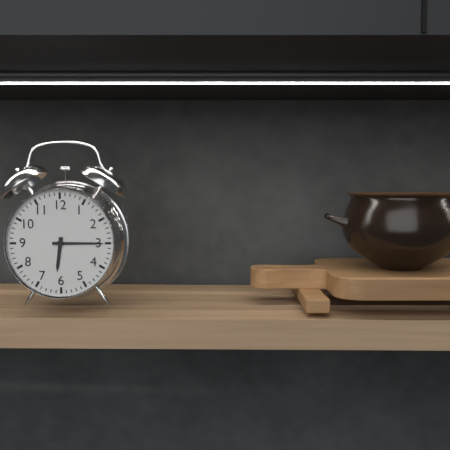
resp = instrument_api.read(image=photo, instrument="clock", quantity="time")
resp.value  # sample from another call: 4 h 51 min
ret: 6 h 15 min
